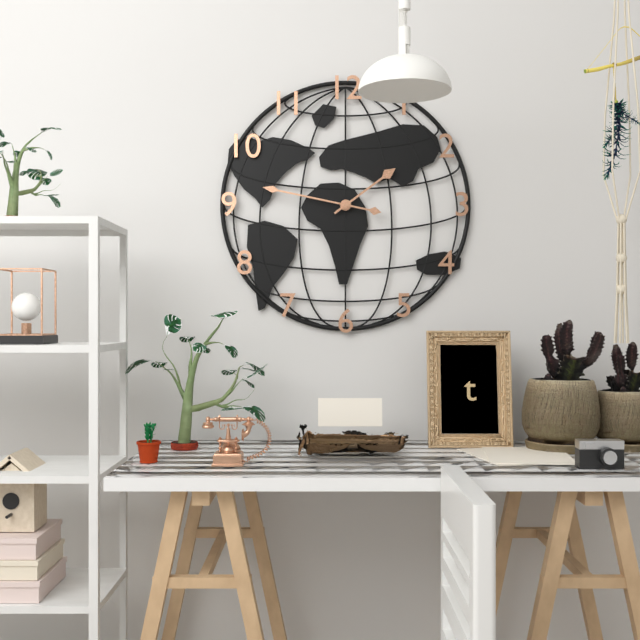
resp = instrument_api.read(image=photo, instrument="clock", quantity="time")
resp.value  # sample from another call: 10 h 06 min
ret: 1 h 47 min
